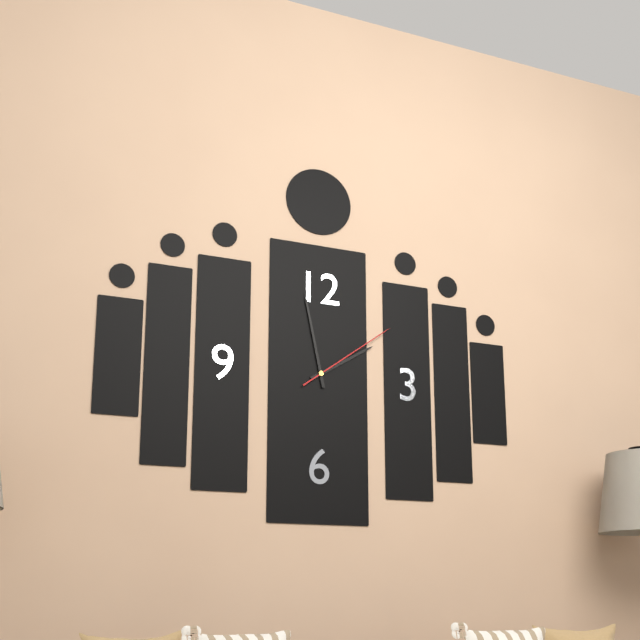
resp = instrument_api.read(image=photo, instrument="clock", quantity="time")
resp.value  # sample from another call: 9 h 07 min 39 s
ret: 1 h 58 min 09 s
